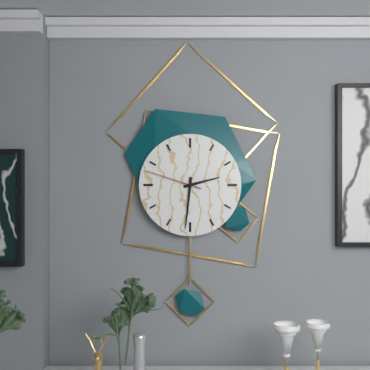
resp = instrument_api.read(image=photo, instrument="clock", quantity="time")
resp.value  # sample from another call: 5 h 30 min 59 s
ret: 2 h 31 min 48 s
